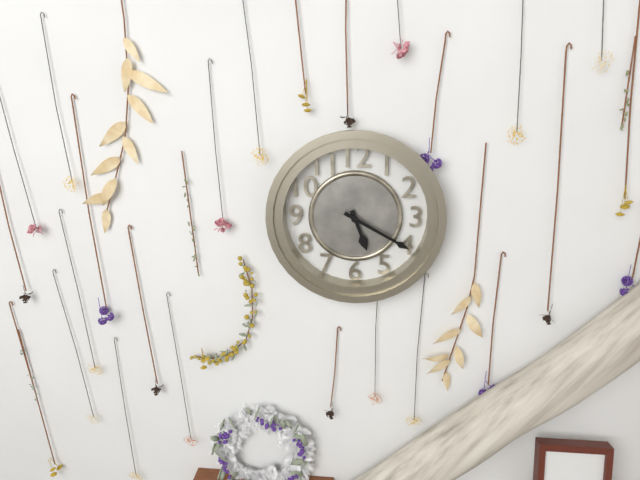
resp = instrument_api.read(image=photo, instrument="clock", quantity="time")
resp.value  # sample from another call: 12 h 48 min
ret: 5 h 20 min
